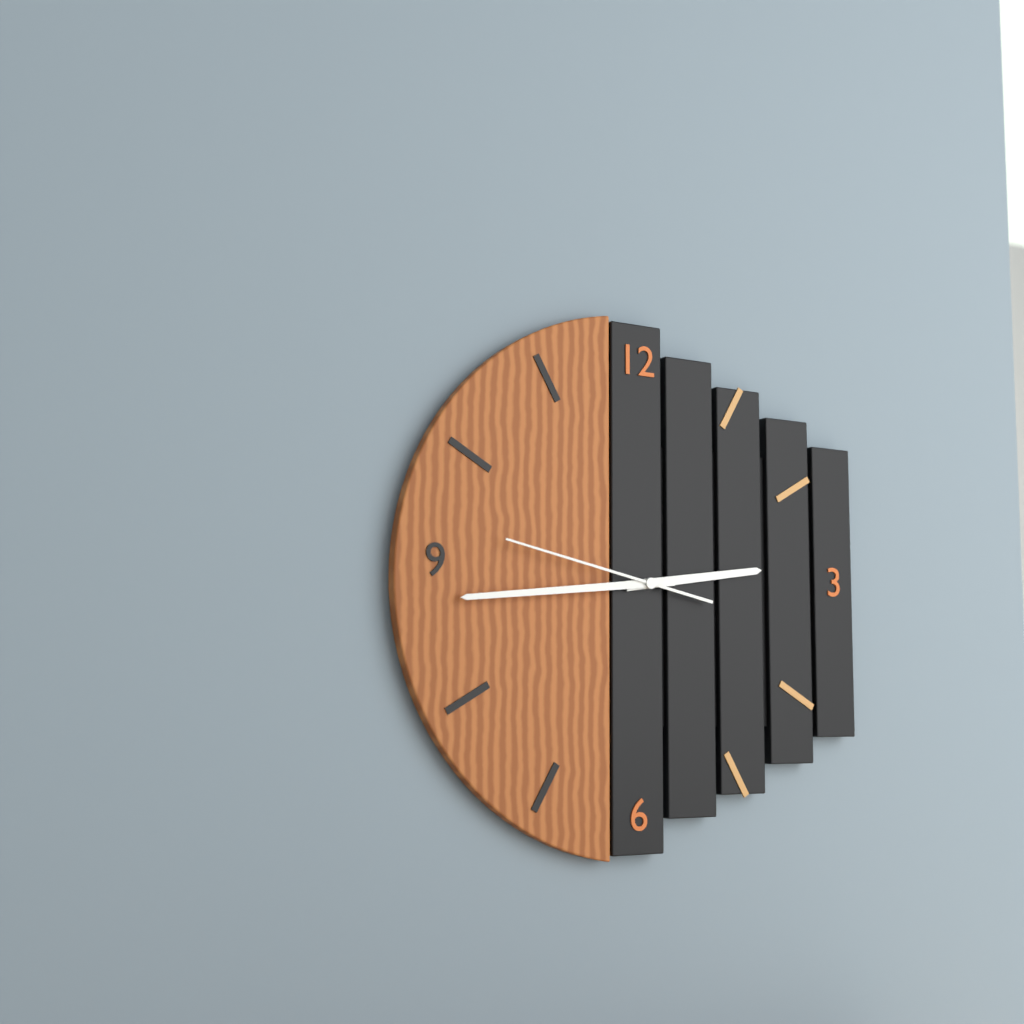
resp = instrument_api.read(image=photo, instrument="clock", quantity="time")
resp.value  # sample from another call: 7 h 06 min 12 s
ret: 2 h 44 min 47 s
